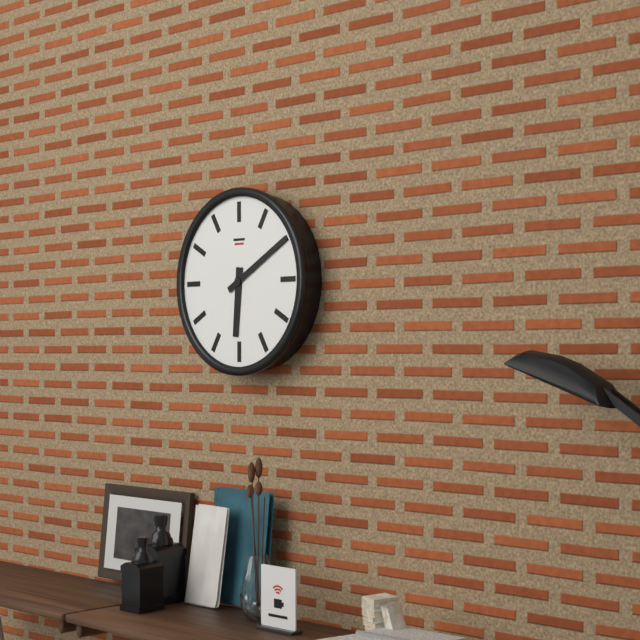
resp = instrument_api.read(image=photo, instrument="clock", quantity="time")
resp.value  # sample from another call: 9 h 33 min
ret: 6 h 10 min
